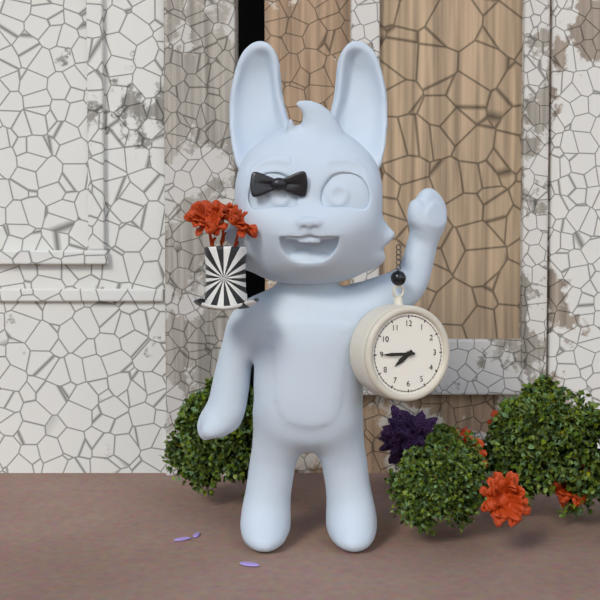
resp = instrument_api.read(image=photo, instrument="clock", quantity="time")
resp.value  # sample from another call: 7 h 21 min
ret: 7 h 45 min
